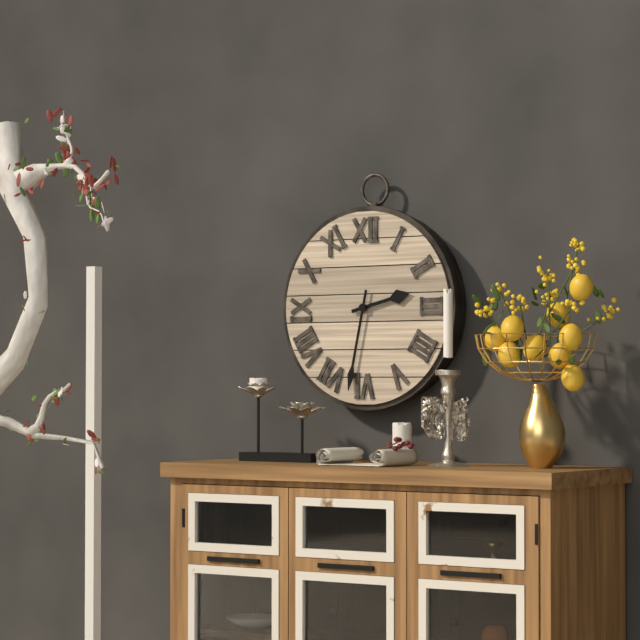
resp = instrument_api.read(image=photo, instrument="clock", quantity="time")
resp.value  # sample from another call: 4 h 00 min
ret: 2 h 32 min
